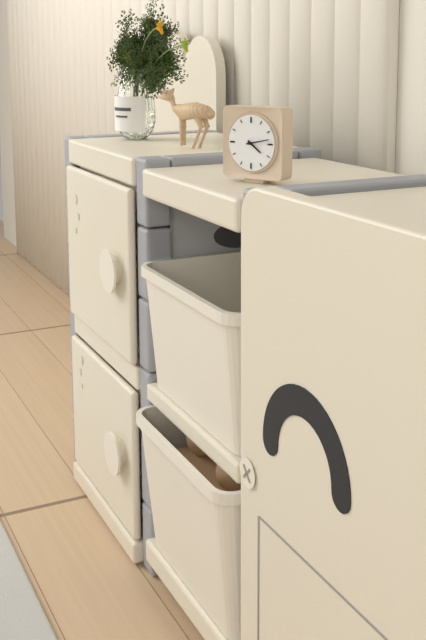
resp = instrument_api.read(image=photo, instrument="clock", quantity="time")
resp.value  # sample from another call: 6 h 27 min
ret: 4 h 13 min
